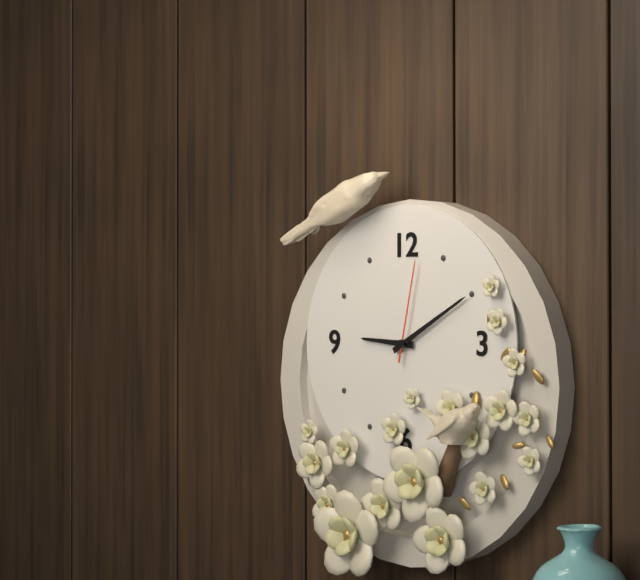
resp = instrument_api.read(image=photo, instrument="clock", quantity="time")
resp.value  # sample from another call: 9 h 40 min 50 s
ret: 9 h 10 min 02 s
